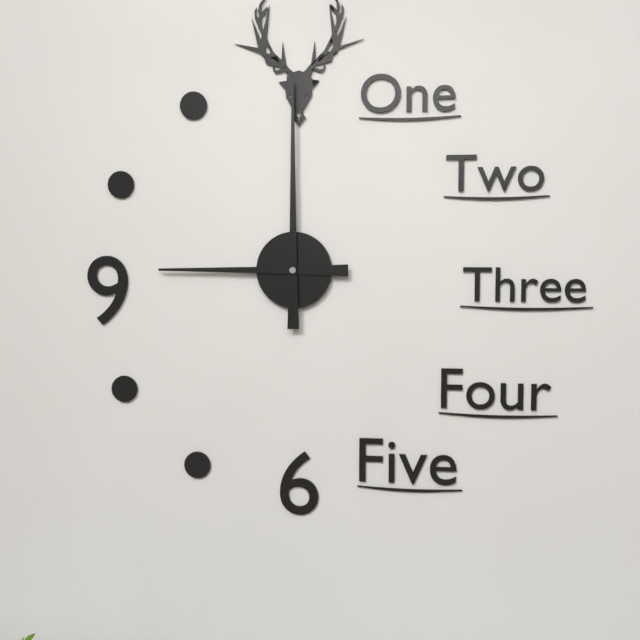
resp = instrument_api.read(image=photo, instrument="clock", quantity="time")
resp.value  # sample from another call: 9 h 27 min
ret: 9 h 00 min
